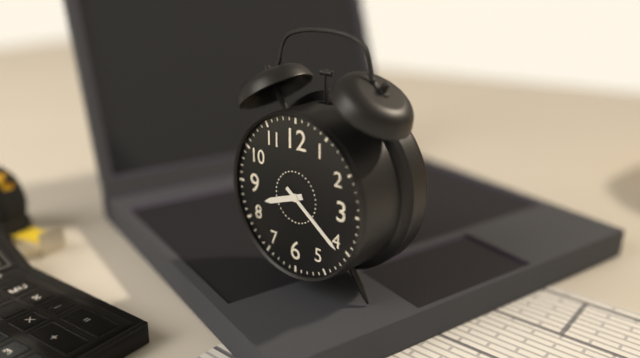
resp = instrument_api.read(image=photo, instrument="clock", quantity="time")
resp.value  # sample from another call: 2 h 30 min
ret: 8 h 21 min
